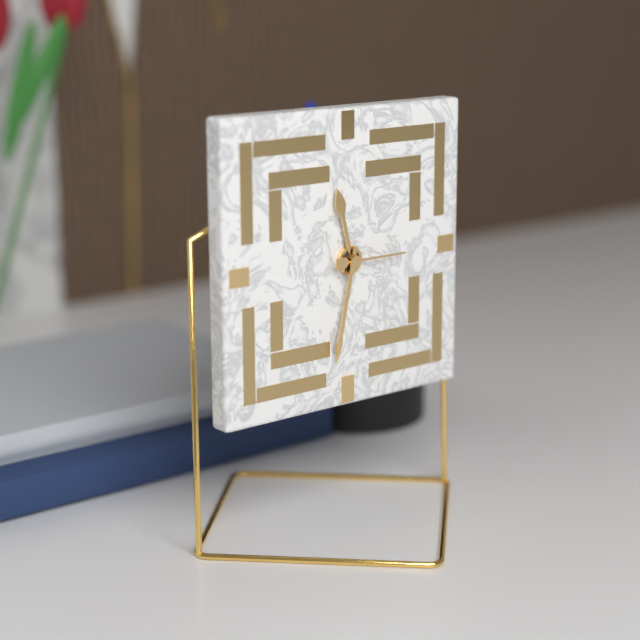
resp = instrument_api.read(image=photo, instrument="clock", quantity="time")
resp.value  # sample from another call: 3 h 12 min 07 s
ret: 11 h 32 min 15 s
